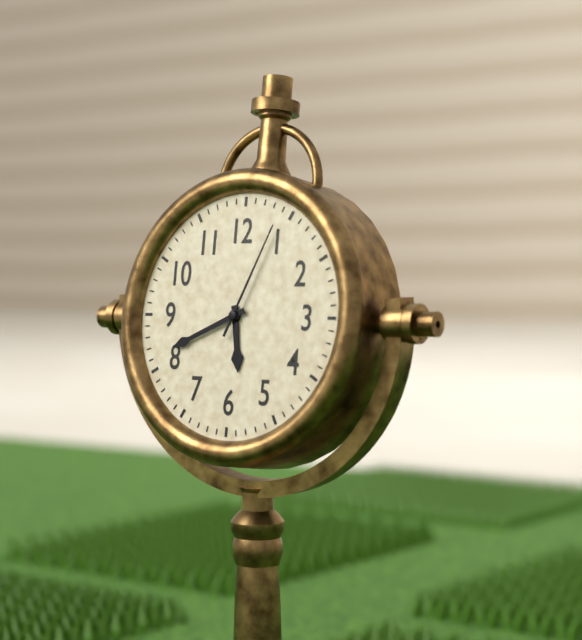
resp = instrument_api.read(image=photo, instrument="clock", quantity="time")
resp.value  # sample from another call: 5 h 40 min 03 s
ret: 5 h 41 min 04 s
